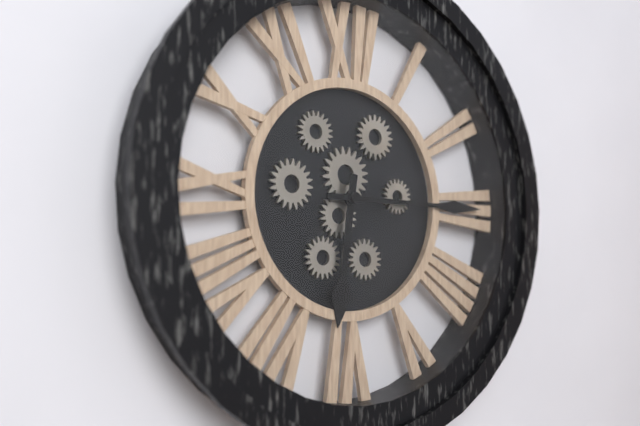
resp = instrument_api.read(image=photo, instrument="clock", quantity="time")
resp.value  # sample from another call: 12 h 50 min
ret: 6 h 15 min
